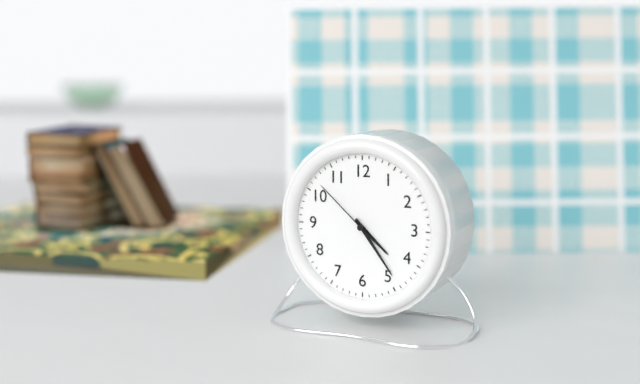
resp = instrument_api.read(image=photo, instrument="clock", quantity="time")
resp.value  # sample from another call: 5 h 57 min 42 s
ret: 4 h 24 min 52 s
